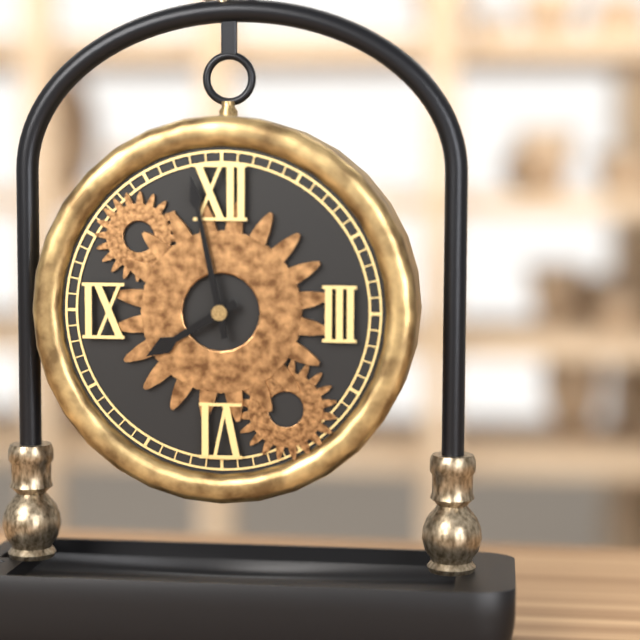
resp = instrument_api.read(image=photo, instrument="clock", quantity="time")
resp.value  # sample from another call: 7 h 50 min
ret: 7 h 58 min
